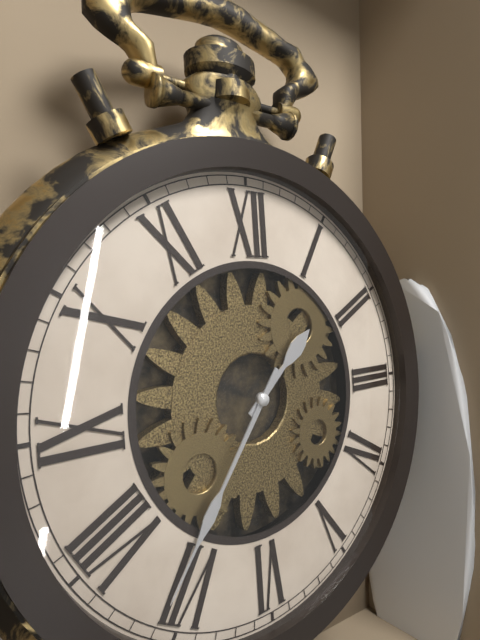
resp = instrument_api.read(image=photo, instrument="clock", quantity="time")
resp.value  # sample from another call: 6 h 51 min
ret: 1 h 36 min
